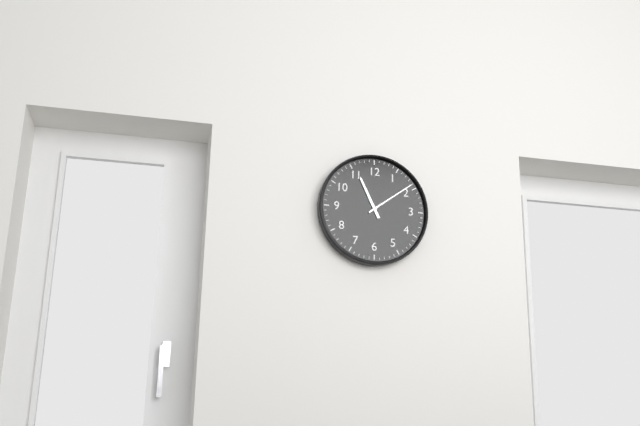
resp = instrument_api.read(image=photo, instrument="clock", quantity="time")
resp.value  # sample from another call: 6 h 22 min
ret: 11 h 09 min
